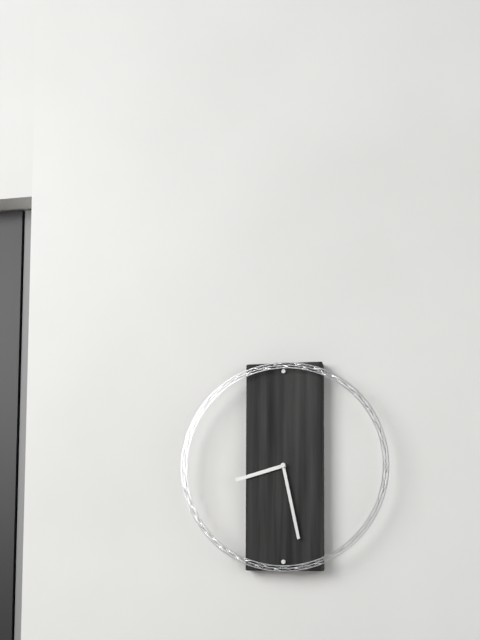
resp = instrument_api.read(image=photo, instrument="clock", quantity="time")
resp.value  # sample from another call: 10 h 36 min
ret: 8 h 28 min
